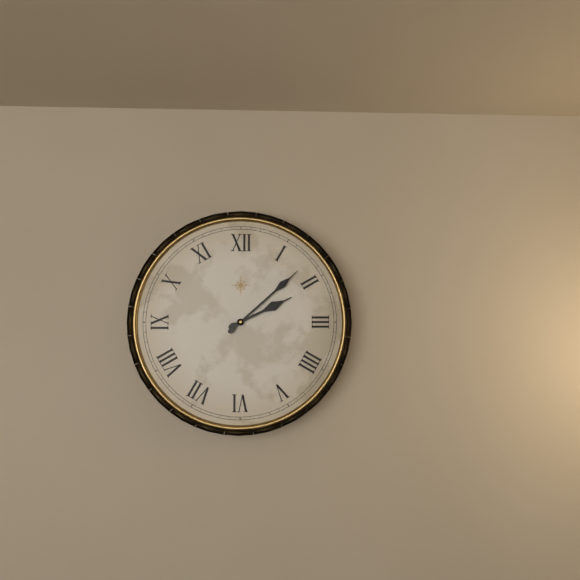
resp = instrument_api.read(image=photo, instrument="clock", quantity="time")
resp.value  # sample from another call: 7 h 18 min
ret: 2 h 08 min
